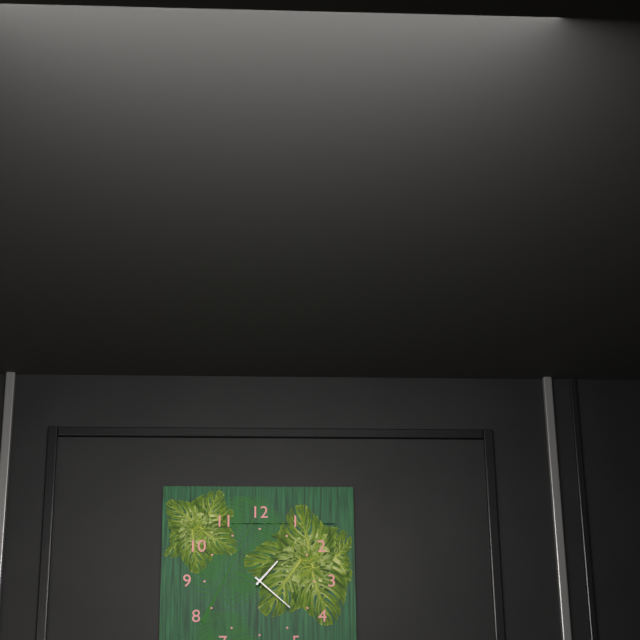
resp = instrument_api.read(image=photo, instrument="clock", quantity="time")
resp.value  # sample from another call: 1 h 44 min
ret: 1 h 22 min
